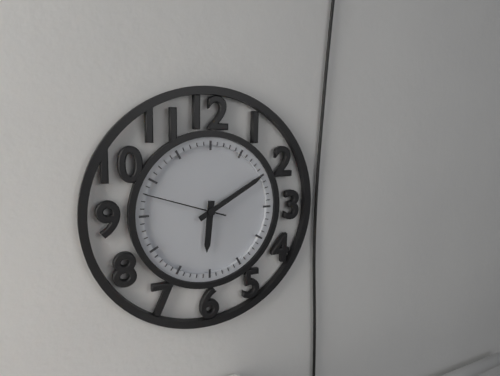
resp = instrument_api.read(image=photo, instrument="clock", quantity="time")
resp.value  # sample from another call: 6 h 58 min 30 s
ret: 6 h 10 min 48 s
